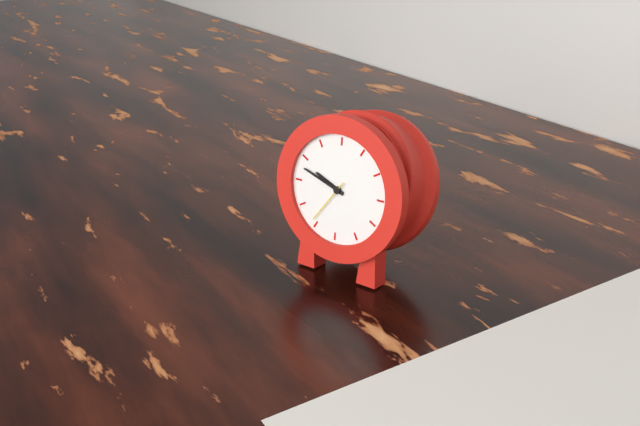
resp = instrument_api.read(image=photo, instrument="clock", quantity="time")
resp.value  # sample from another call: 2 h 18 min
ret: 9 h 48 min
